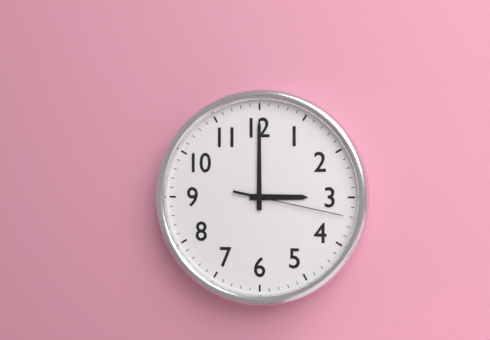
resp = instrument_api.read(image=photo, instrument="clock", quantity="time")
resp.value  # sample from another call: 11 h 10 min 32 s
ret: 3 h 00 min 17 s
